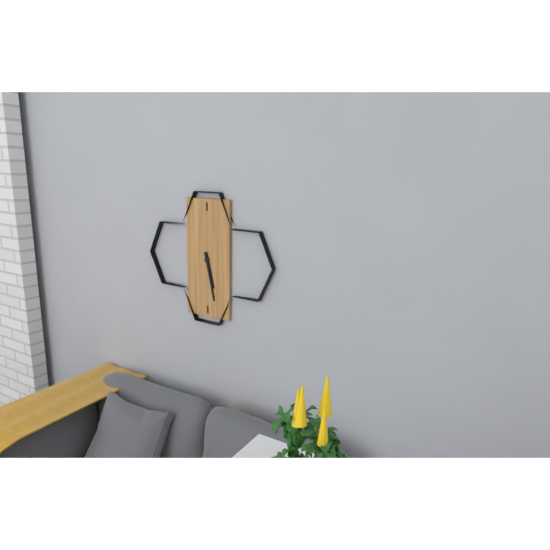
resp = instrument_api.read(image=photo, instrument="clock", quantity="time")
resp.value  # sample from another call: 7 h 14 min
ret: 5 h 28 min
